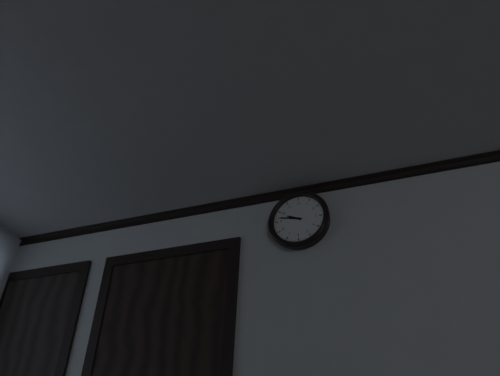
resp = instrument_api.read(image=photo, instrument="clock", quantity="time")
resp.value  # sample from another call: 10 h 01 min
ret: 9 h 47 min
